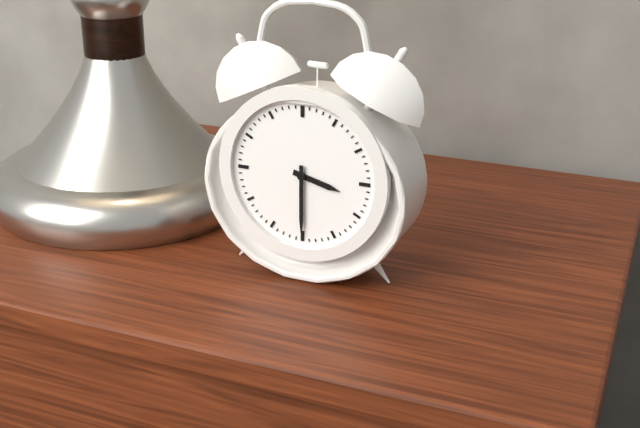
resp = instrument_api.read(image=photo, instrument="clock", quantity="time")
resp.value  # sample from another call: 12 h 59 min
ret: 3 h 30 min
